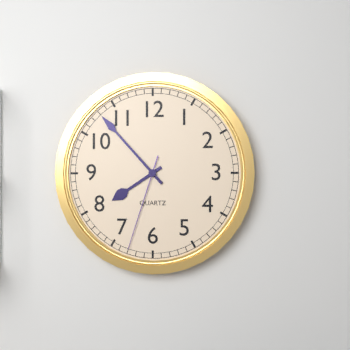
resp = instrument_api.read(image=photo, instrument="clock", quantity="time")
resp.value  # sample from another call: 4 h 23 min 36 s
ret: 7 h 53 min 33 s
